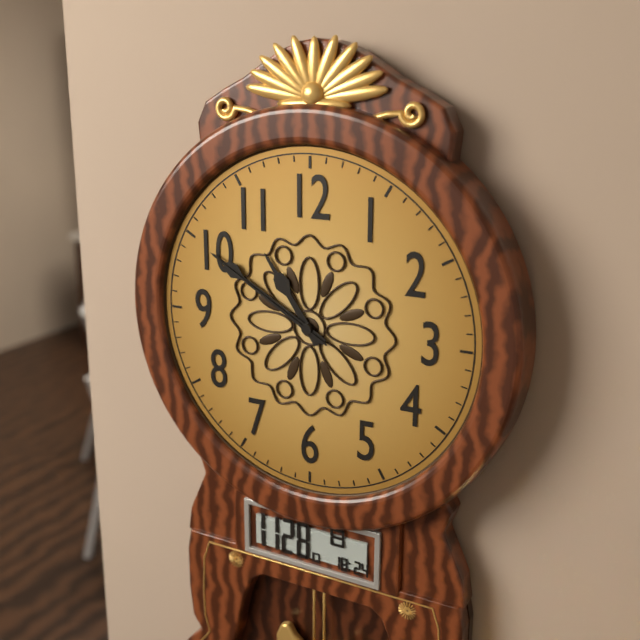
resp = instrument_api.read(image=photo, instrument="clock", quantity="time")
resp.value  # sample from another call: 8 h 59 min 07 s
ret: 10 h 50 min 50 s
